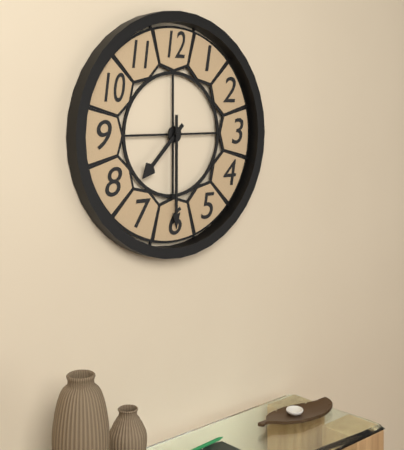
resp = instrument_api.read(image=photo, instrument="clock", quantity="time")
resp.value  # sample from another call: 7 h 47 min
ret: 7 h 30 min
